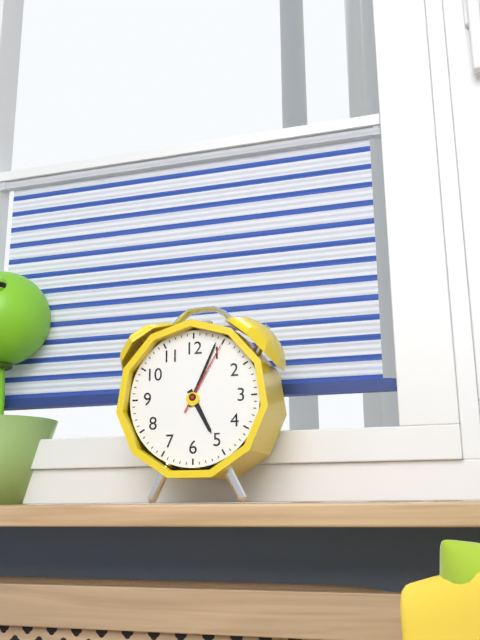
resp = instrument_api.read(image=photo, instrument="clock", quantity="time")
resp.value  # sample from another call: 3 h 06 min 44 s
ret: 5 h 04 min 05 s
